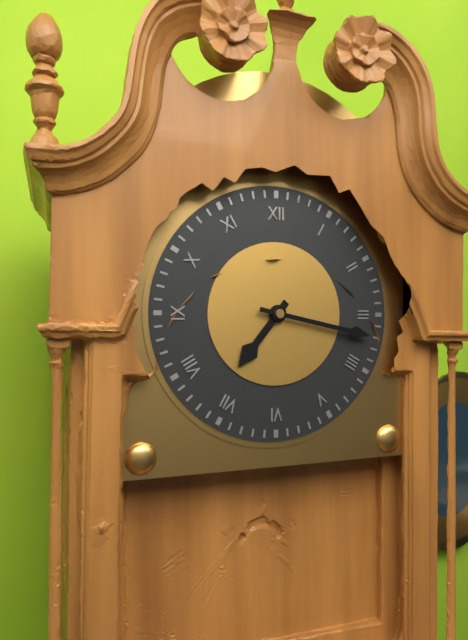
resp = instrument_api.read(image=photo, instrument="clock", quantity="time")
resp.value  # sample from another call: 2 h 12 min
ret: 7 h 17 min
